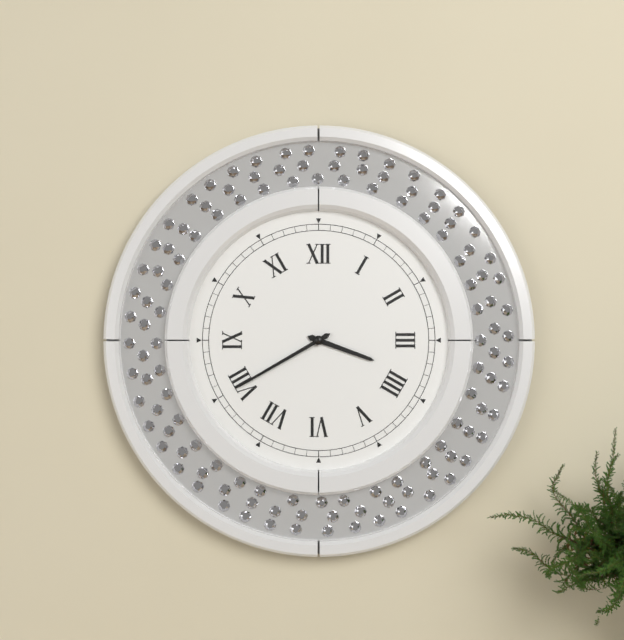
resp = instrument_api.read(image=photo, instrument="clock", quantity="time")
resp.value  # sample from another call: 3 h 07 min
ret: 3 h 40 min
